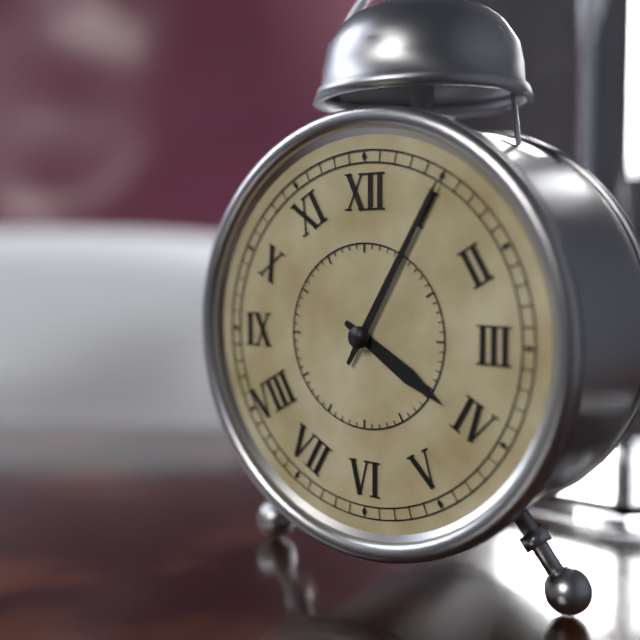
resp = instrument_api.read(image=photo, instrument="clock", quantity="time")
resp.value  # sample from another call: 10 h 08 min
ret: 4 h 05 min
